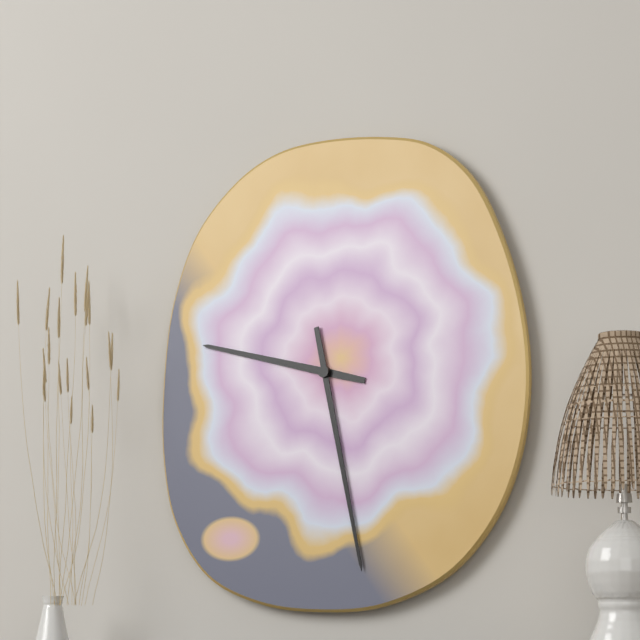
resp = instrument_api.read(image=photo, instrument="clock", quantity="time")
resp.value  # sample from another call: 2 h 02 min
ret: 9 h 28 min
